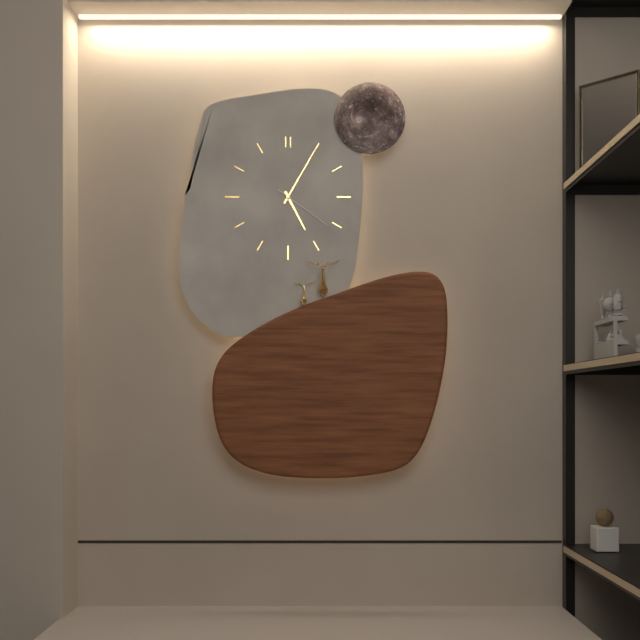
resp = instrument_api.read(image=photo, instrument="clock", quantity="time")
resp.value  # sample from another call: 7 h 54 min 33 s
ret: 5 h 05 min 21 s
